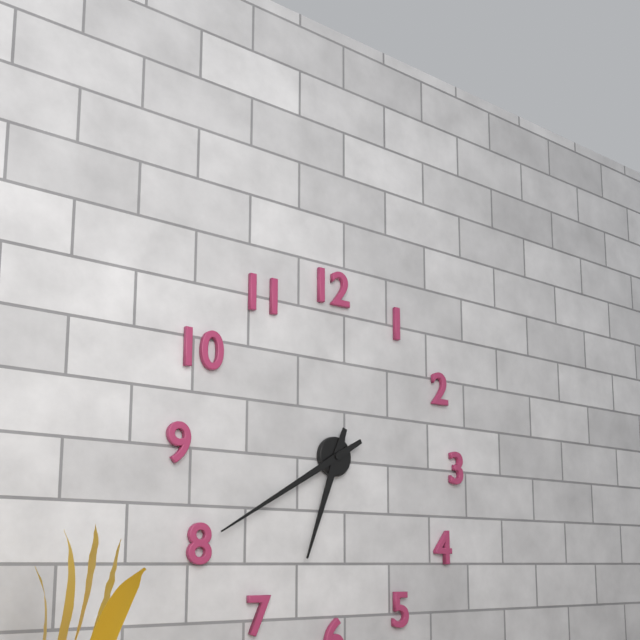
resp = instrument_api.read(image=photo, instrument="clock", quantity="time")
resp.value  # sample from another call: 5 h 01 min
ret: 6 h 40 min
